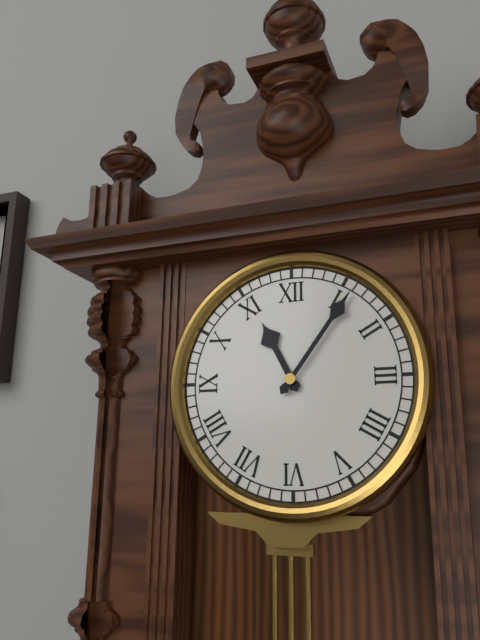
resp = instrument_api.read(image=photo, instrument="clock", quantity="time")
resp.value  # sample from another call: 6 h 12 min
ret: 11 h 06 min
